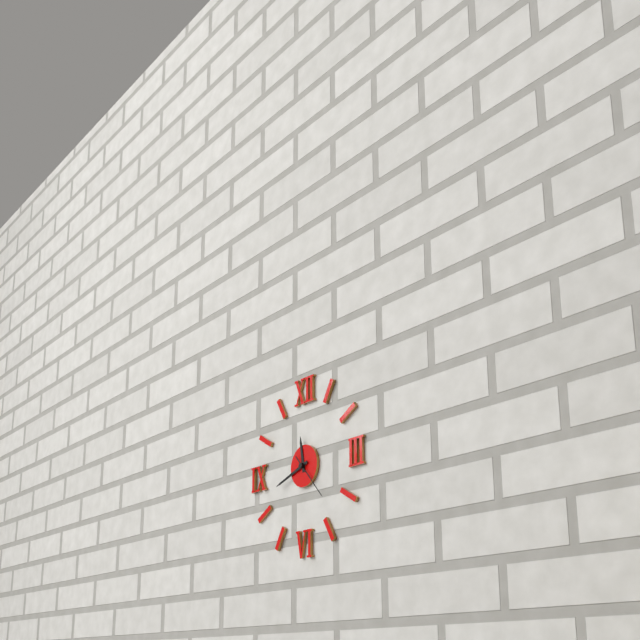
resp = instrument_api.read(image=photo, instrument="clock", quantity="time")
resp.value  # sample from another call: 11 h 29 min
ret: 11 h 42 min
